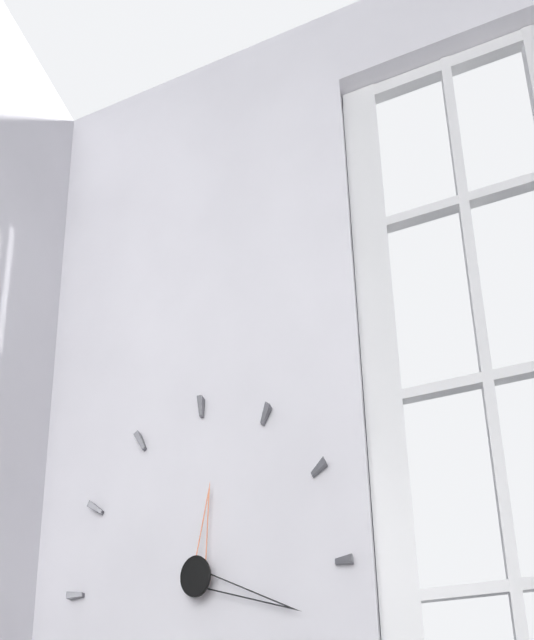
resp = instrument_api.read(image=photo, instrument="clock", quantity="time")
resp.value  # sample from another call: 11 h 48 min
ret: 12 h 18 min
